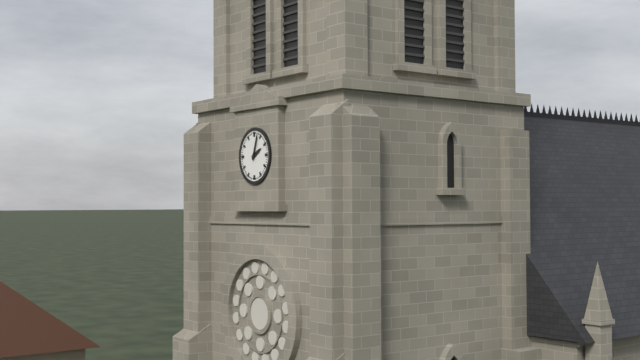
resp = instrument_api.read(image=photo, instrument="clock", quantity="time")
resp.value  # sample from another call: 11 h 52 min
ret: 2 h 03 min
